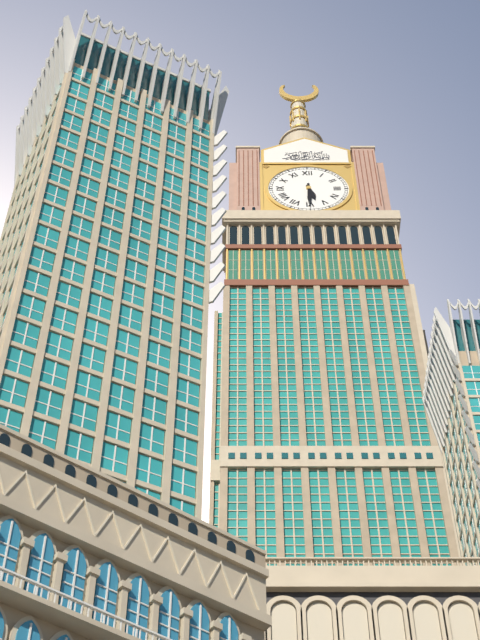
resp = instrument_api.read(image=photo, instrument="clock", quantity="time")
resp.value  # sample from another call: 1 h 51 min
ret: 5 h 30 min
